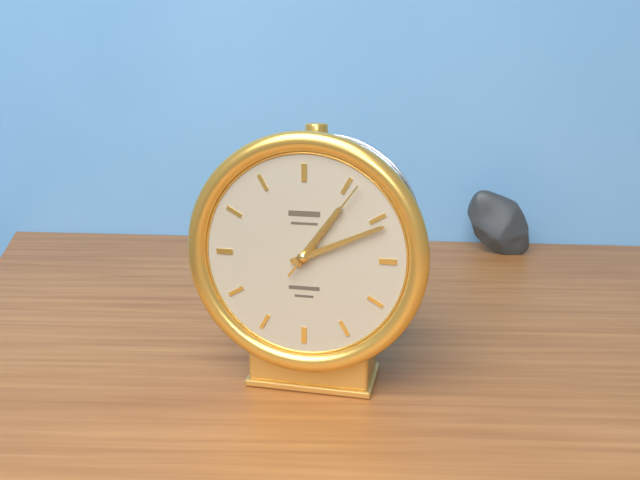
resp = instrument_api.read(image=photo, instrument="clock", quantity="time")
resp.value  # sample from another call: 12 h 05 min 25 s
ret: 1 h 11 min 06 s
